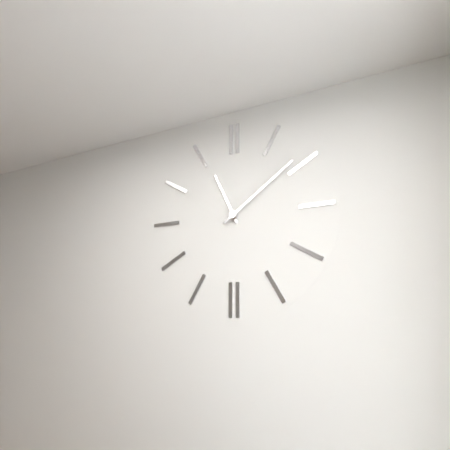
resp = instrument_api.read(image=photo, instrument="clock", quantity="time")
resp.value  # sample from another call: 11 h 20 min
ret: 11 h 09 min
